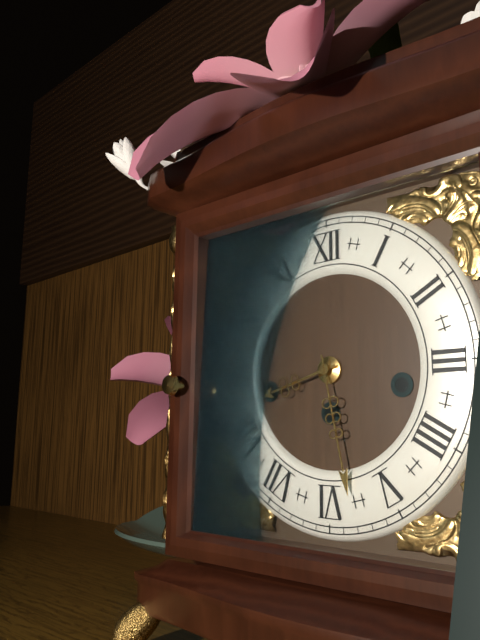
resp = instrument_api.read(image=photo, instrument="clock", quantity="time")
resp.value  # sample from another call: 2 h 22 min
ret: 8 h 28 min
